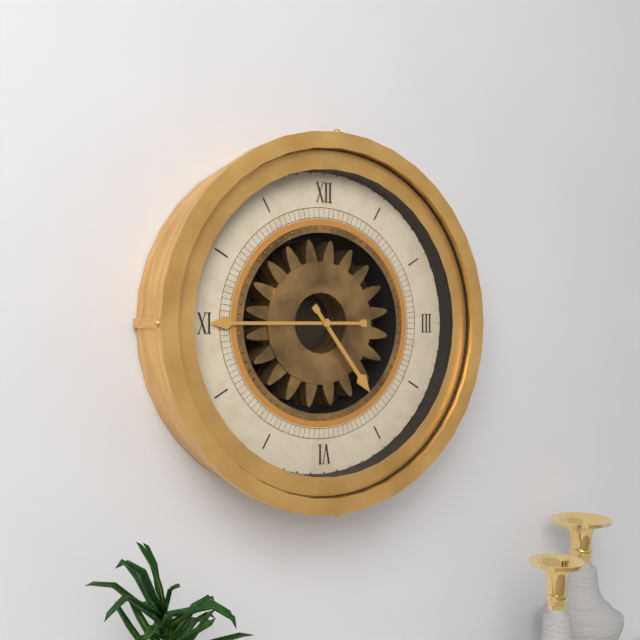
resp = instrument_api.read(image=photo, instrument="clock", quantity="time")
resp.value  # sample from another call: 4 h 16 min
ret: 4 h 45 min
